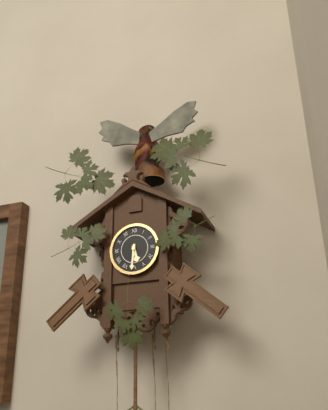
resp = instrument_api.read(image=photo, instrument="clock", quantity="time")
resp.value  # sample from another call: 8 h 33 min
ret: 5 h 31 min
